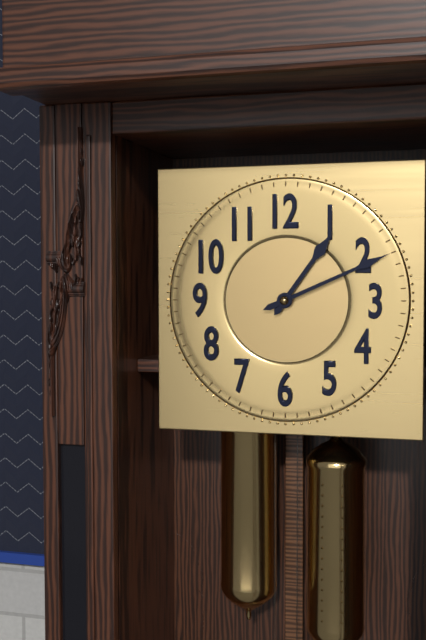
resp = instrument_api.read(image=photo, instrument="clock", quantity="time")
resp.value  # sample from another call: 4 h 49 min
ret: 1 h 11 min
